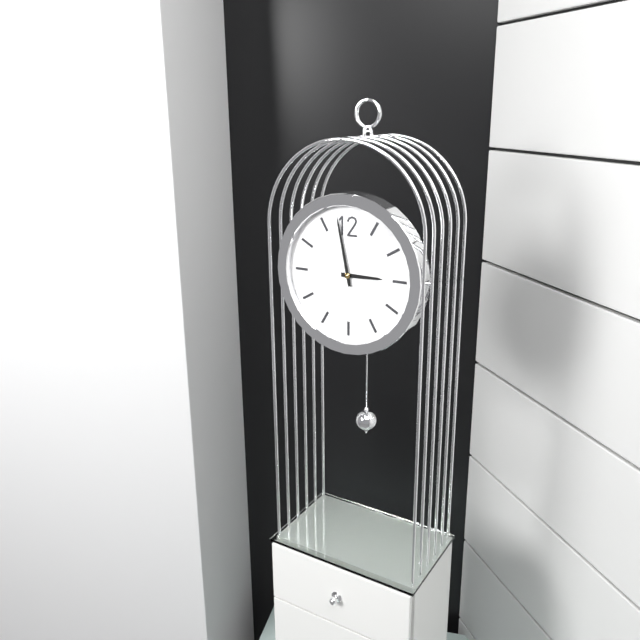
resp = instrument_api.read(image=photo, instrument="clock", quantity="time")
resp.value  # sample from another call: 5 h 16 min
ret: 2 h 58 min
